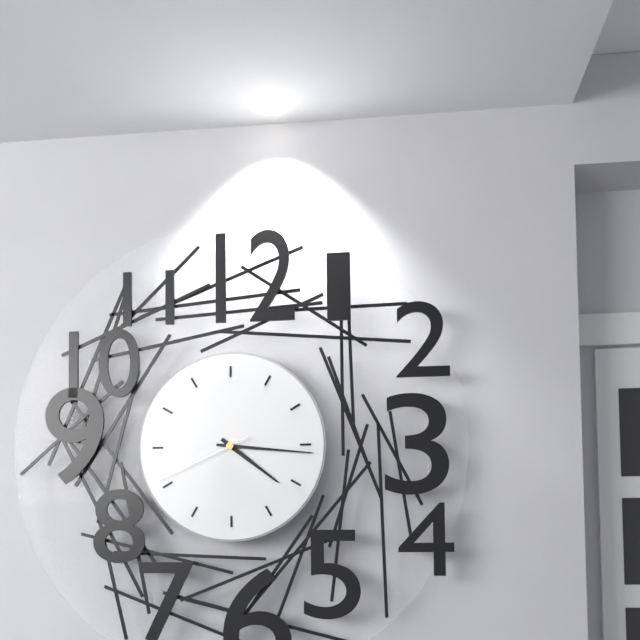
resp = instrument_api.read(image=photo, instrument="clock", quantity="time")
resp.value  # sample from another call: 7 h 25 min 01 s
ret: 4 h 16 min 41 s
